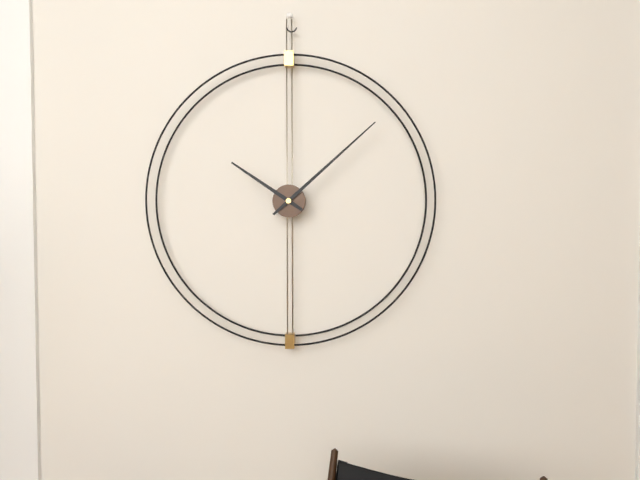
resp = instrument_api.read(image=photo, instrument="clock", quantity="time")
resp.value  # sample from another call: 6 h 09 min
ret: 10 h 08 min
